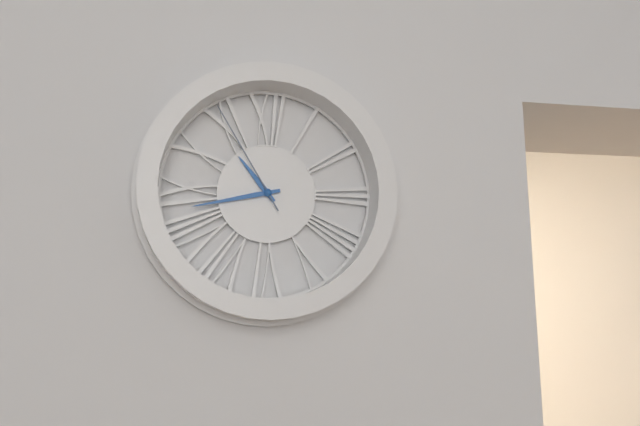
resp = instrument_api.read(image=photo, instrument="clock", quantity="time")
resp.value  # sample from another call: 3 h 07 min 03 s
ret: 10 h 43 min 55 s
